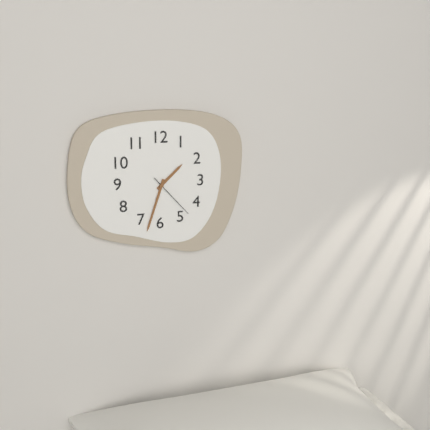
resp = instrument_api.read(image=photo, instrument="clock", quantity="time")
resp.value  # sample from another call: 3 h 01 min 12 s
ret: 1 h 33 min 23 s
